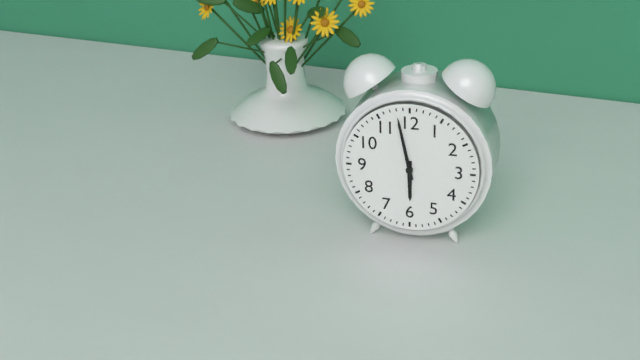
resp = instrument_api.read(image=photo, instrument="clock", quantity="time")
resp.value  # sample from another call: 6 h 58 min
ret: 5 h 58 min
